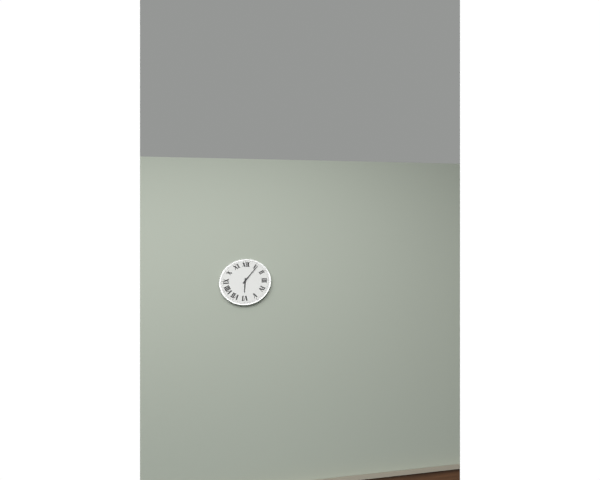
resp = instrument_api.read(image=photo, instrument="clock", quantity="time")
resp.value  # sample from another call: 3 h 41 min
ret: 6 h 06 min
